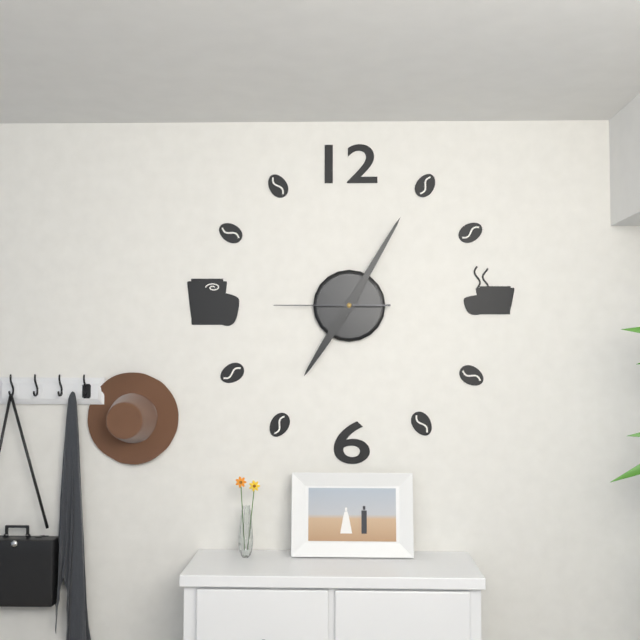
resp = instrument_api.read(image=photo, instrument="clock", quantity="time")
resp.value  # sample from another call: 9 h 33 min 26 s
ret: 7 h 05 min 45 s
